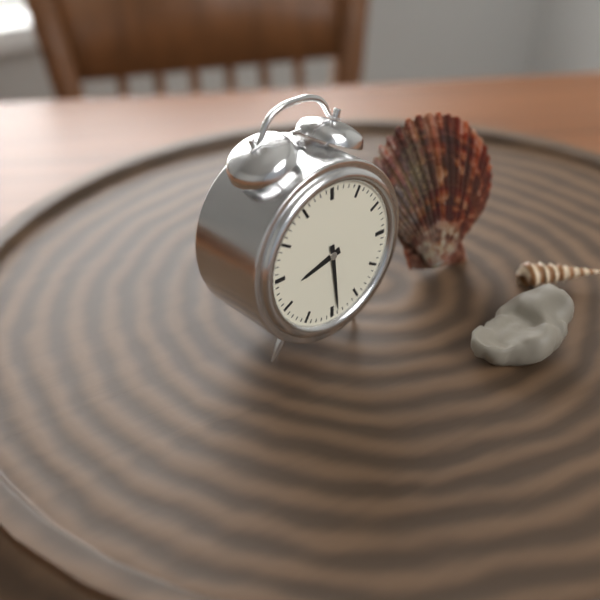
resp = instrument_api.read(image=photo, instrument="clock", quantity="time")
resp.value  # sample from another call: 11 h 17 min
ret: 8 h 29 min
